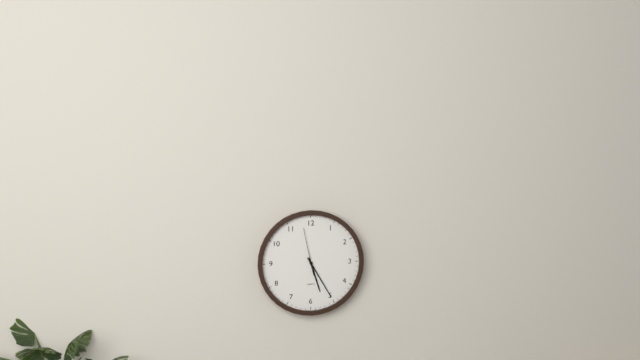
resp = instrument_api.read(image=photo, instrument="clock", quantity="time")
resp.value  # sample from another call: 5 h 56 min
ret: 5 h 25 min
